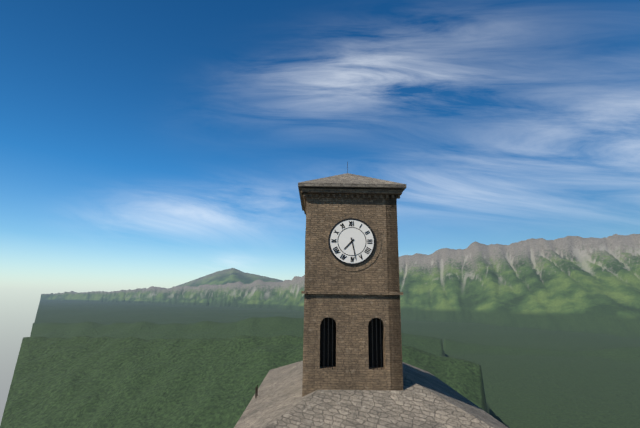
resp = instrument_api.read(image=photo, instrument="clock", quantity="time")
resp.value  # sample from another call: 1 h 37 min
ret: 7 h 28 min
